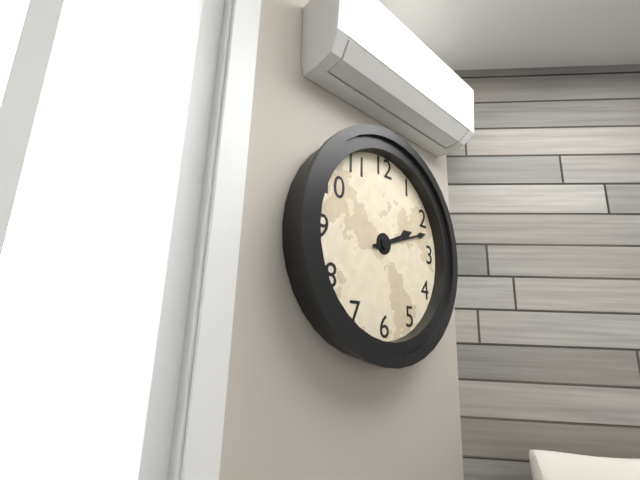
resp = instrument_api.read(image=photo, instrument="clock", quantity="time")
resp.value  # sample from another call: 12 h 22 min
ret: 2 h 12 min
